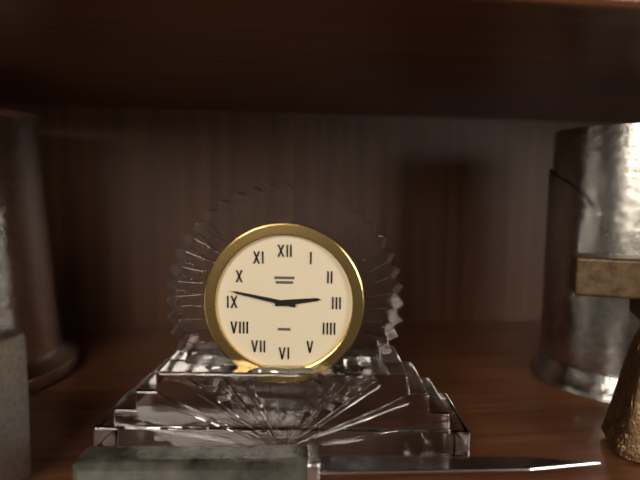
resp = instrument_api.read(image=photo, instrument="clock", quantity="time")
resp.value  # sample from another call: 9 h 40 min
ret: 2 h 47 min
